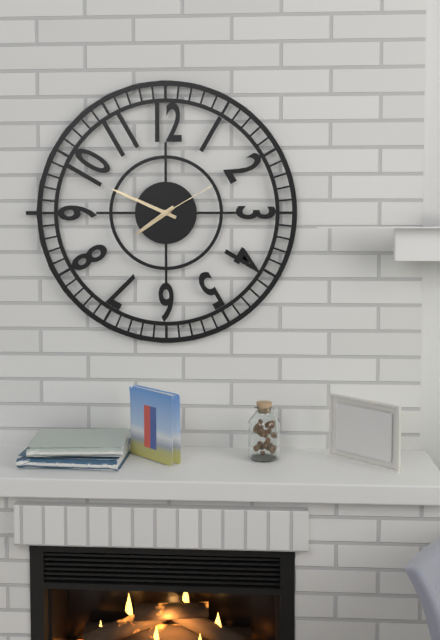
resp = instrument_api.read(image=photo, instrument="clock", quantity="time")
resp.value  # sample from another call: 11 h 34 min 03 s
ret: 7 h 49 min 10 s
